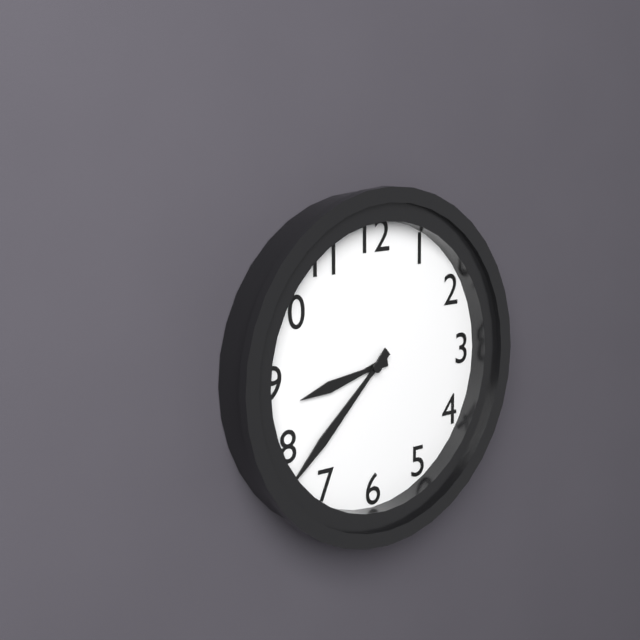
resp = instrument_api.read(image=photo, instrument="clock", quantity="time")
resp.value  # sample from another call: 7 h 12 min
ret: 8 h 38 min
